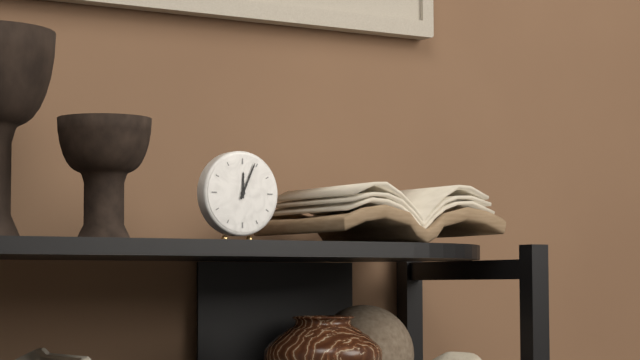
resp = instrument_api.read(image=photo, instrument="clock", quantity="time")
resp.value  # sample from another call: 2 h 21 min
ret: 12 h 04 min
